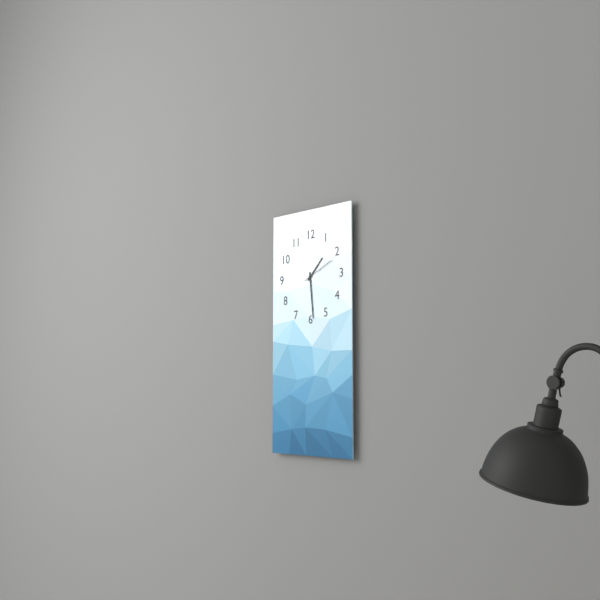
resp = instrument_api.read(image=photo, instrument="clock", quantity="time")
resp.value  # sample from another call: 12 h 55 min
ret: 1 h 29 min
